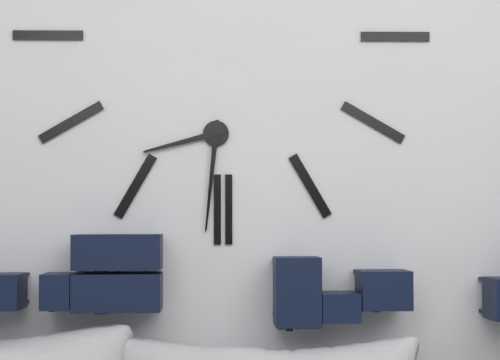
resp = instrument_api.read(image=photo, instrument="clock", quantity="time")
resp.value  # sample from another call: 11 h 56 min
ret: 8 h 31 min
